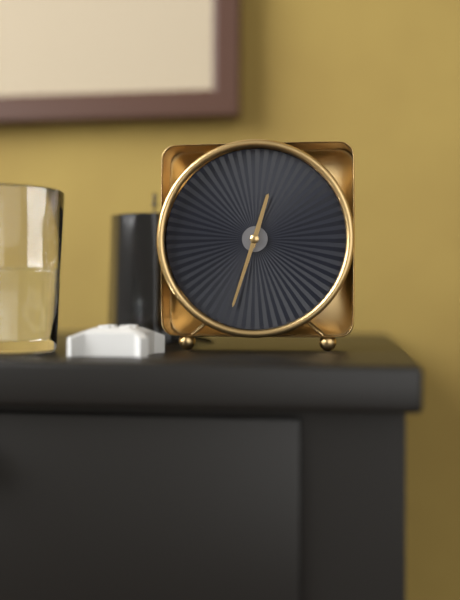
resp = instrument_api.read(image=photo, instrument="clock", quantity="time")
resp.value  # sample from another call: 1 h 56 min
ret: 12 h 33 min
